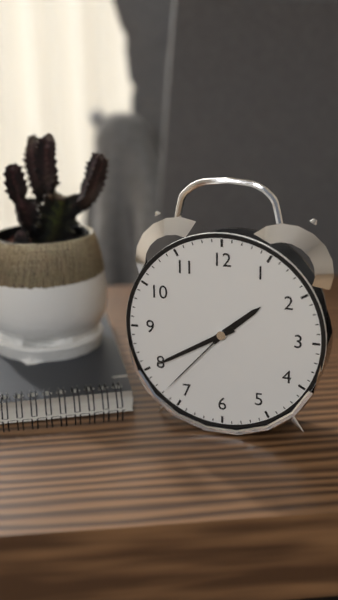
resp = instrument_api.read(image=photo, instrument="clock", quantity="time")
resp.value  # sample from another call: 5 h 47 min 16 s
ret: 1 h 40 min 37 s
